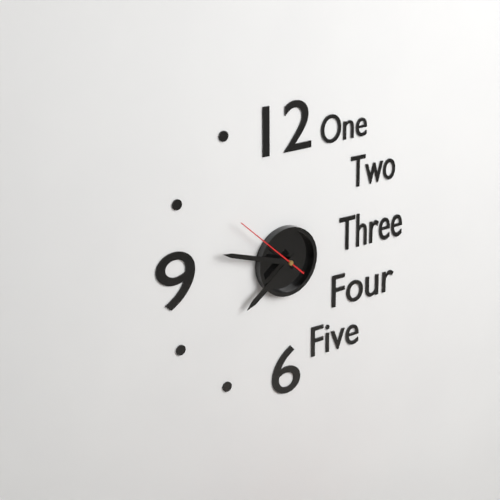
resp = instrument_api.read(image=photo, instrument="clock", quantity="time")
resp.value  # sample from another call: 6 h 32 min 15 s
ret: 7 h 48 min 52 s
